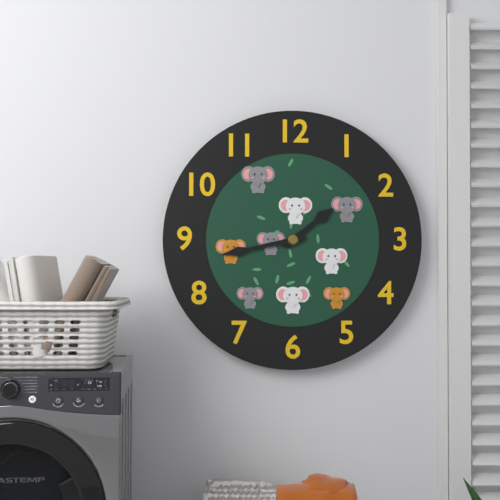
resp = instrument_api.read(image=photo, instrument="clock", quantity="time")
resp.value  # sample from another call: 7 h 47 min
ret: 1 h 43 min
